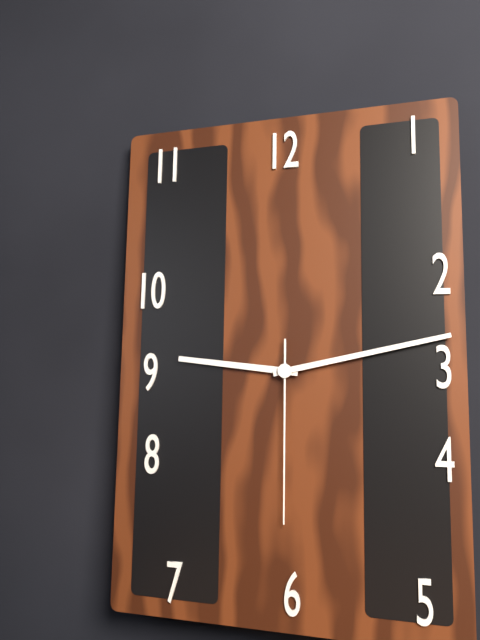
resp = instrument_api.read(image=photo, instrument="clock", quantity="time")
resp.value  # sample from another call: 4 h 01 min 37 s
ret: 9 h 13 min 30 s
